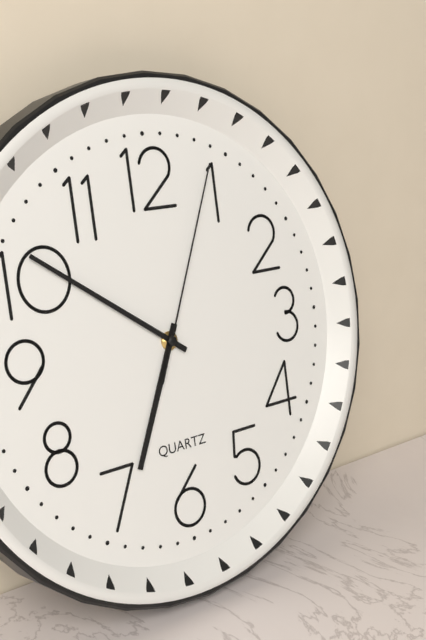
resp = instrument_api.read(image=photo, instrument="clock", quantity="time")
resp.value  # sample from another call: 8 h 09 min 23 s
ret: 6 h 51 min 04 s
